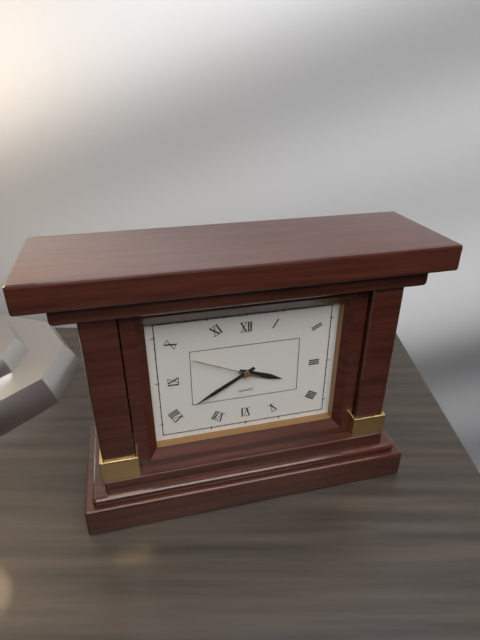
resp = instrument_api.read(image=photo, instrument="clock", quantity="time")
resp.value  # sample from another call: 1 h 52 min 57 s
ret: 3 h 40 min 49 s
